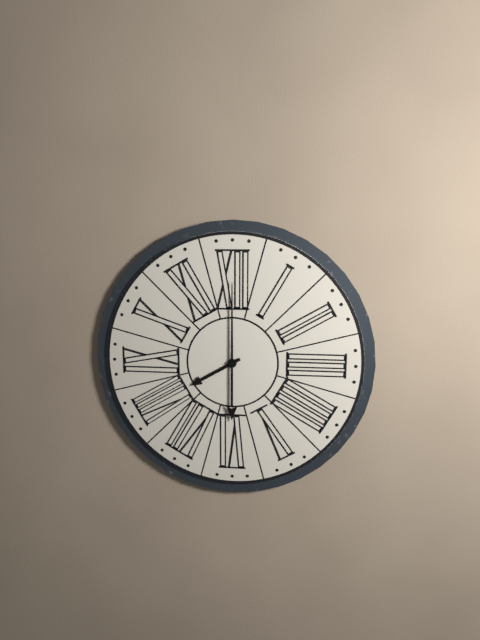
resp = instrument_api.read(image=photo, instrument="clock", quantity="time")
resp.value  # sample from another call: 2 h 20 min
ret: 8 h 00 min
